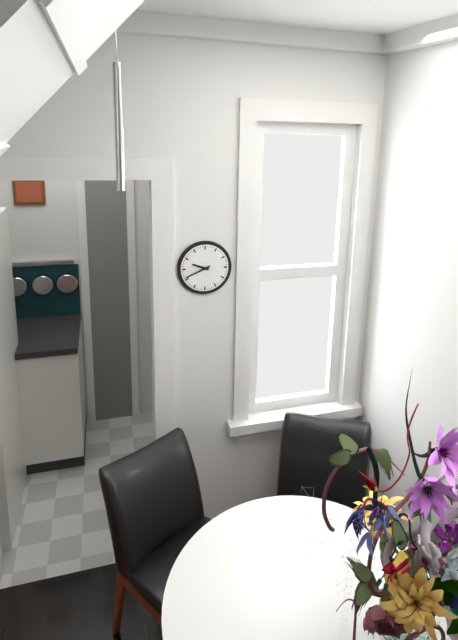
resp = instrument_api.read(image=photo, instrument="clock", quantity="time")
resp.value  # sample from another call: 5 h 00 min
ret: 9 h 41 min
